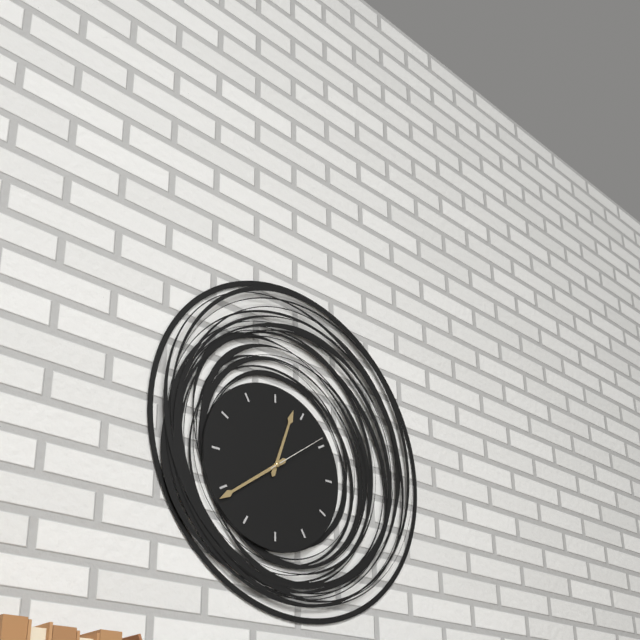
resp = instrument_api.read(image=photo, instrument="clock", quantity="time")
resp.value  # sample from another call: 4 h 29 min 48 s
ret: 12 h 39 min 09 s
